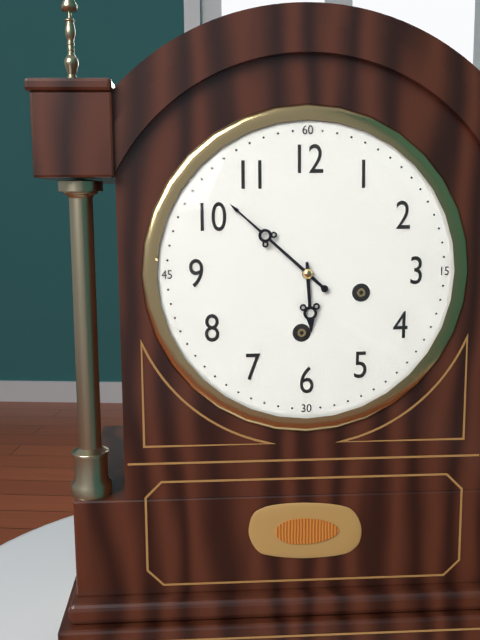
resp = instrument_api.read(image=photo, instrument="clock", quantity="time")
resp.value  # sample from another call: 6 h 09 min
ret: 5 h 52 min
